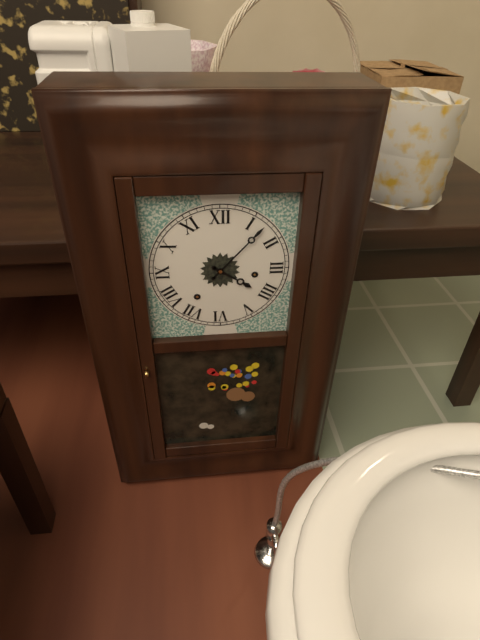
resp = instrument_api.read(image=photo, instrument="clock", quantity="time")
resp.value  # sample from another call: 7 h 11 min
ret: 4 h 07 min
